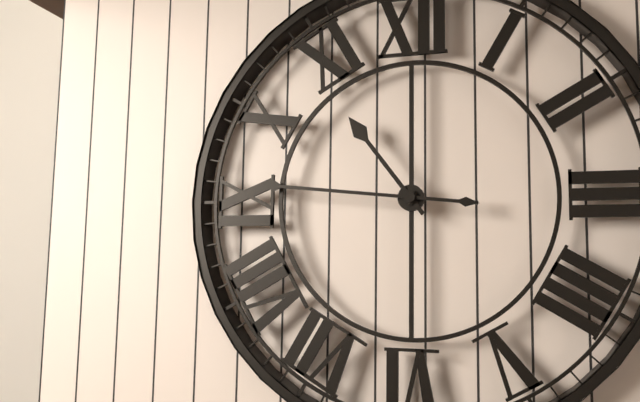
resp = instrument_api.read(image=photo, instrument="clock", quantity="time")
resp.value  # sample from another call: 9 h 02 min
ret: 10 h 46 min
